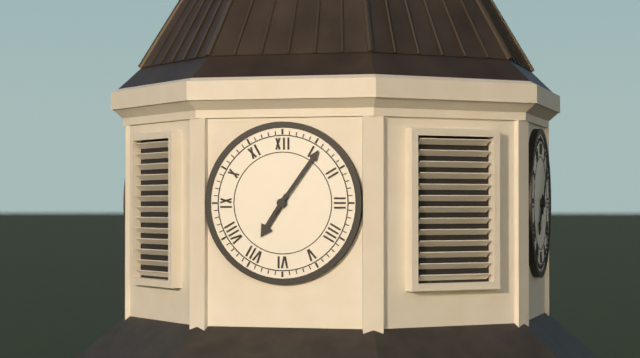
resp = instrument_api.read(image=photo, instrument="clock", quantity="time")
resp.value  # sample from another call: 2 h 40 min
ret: 7 h 06 min
